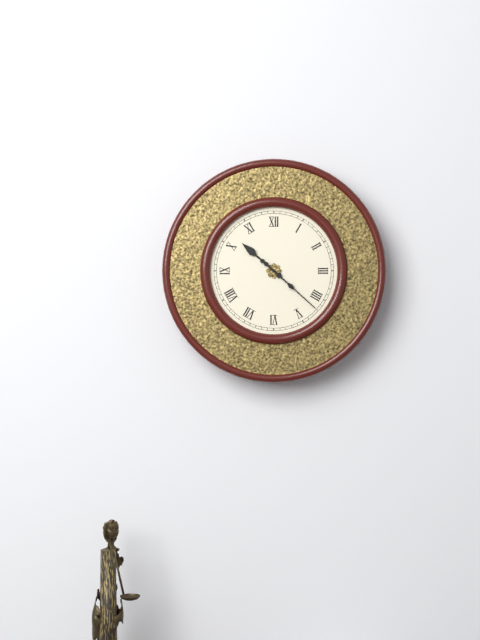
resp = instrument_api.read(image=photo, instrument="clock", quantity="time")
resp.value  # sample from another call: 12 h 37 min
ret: 10 h 22 min
